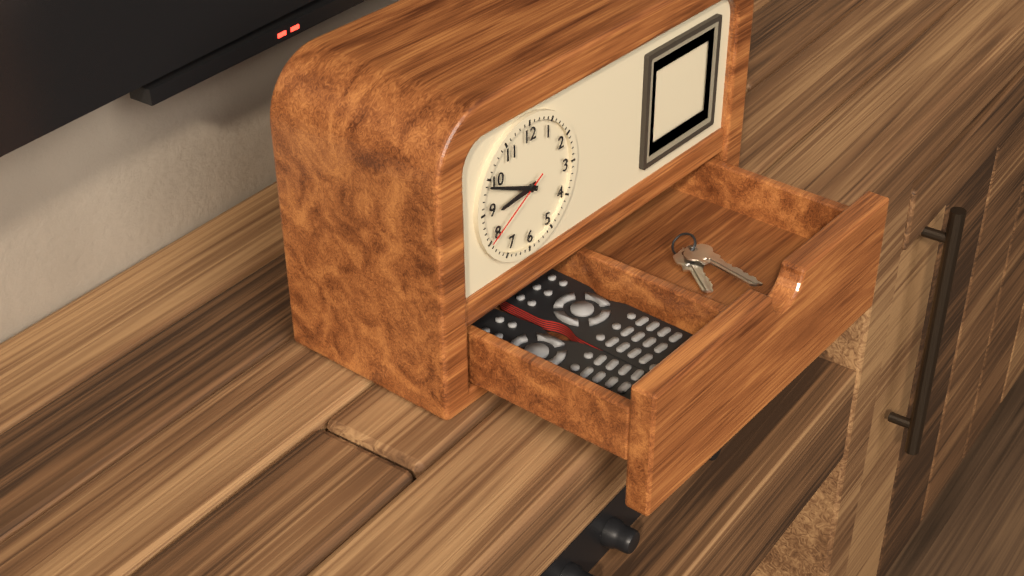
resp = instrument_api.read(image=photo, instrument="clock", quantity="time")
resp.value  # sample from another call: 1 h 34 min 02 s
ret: 8 h 49 min 40 s
